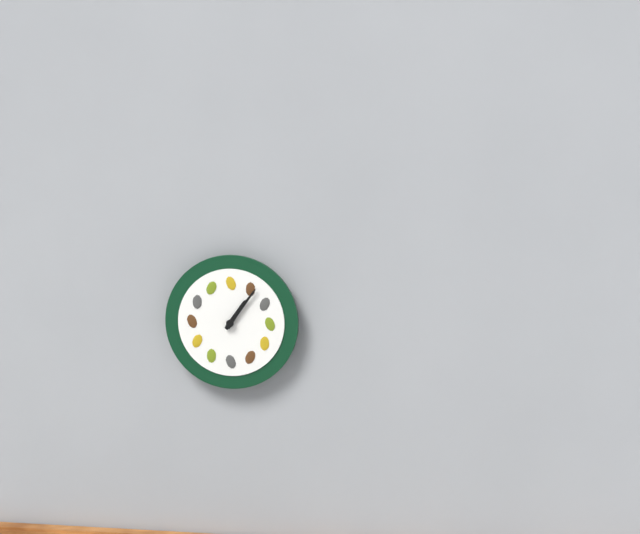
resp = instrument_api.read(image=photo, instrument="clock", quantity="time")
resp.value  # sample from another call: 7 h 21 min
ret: 1 h 06 min
